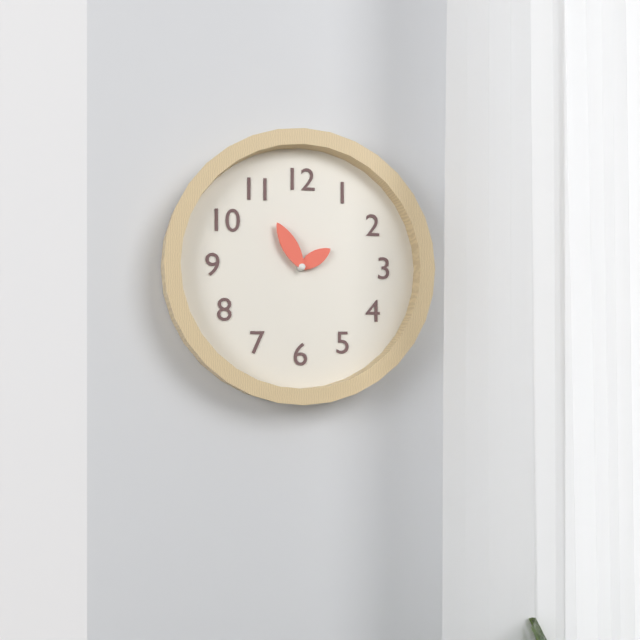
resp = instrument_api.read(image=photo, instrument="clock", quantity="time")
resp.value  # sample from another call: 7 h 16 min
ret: 1 h 55 min
